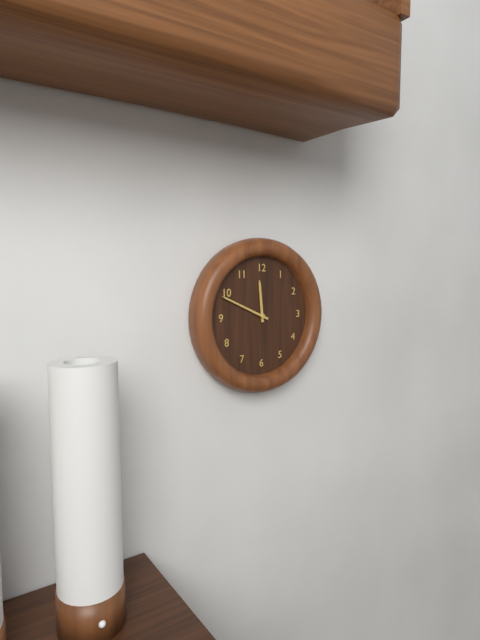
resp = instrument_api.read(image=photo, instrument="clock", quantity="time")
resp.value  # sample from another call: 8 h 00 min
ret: 11 h 49 min
